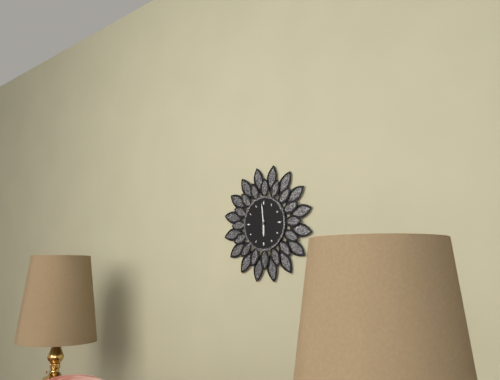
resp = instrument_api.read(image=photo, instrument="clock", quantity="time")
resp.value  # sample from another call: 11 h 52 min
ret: 5 h 59 min
